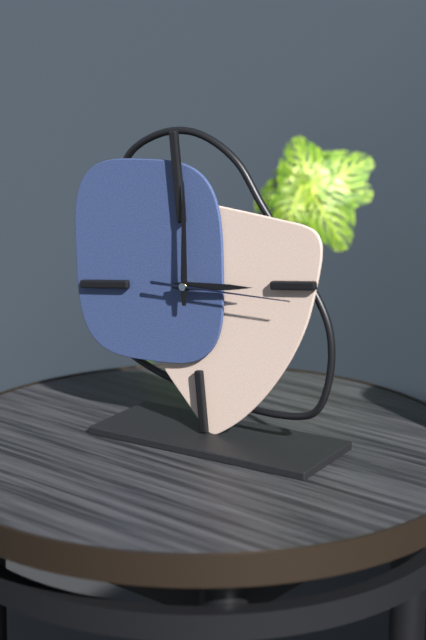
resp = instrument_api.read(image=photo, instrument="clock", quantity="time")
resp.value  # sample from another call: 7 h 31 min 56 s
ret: 3 h 01 min 16 s
